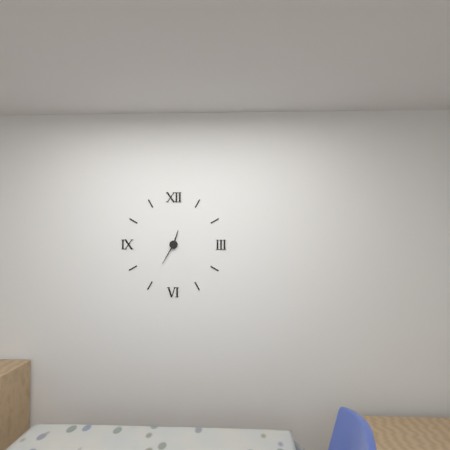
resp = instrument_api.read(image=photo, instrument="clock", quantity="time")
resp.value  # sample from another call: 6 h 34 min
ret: 12 h 35 min
